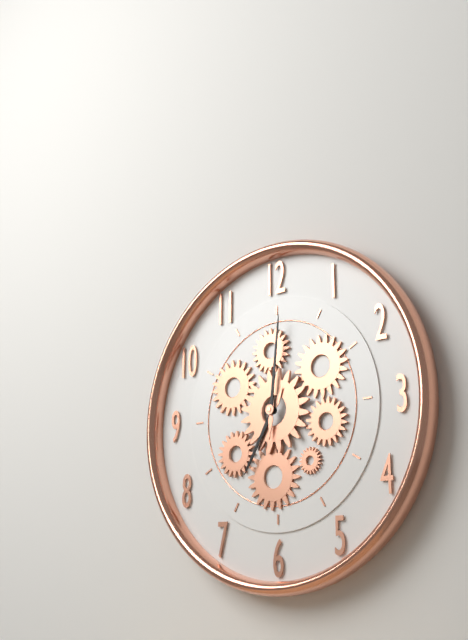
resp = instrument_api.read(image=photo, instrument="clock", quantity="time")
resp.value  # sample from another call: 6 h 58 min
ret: 7 h 01 min
